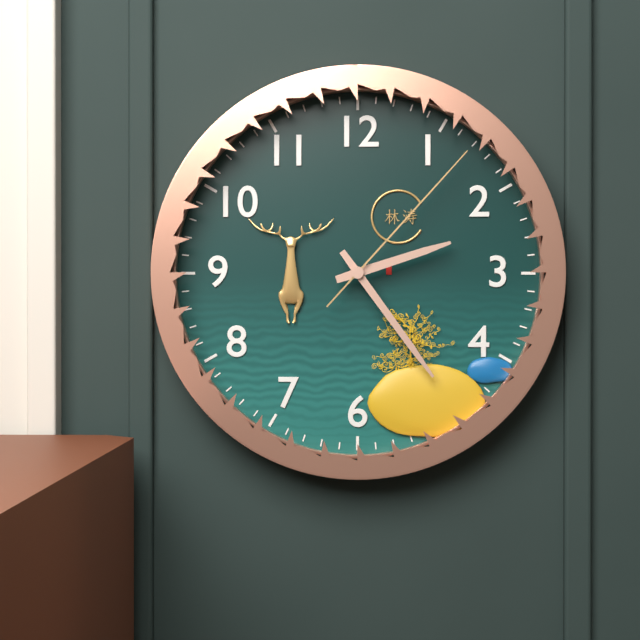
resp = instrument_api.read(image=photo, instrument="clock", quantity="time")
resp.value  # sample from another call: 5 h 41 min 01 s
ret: 2 h 24 min 07 s
